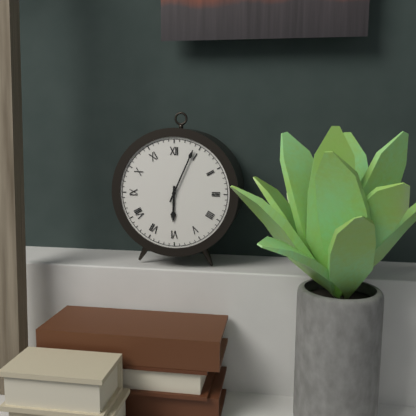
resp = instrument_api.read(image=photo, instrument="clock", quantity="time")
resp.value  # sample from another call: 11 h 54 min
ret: 6 h 04 min
